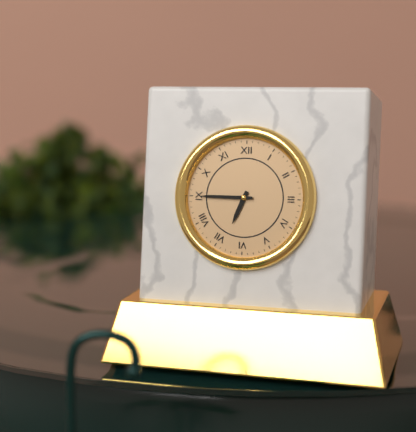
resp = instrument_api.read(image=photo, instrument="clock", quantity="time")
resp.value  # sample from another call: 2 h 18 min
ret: 6 h 45 min
